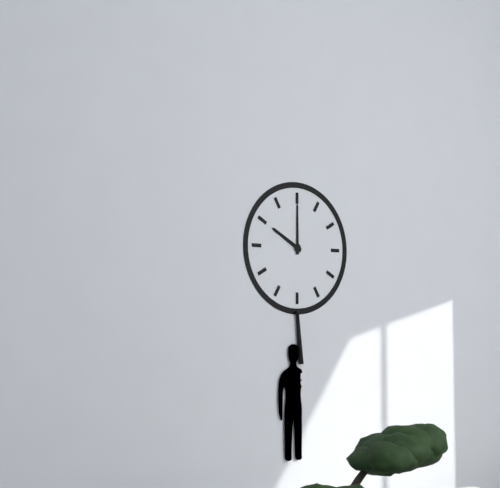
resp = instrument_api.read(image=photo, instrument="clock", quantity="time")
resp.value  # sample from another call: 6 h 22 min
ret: 10 h 00 min
